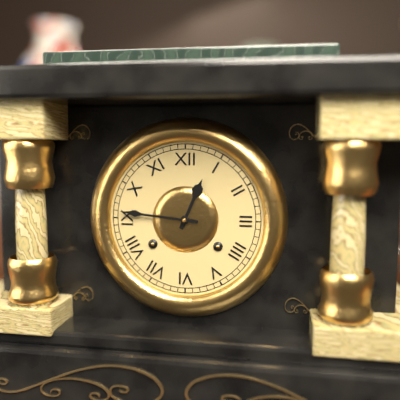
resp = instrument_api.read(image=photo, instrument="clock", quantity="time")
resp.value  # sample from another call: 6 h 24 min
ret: 12 h 46 min
